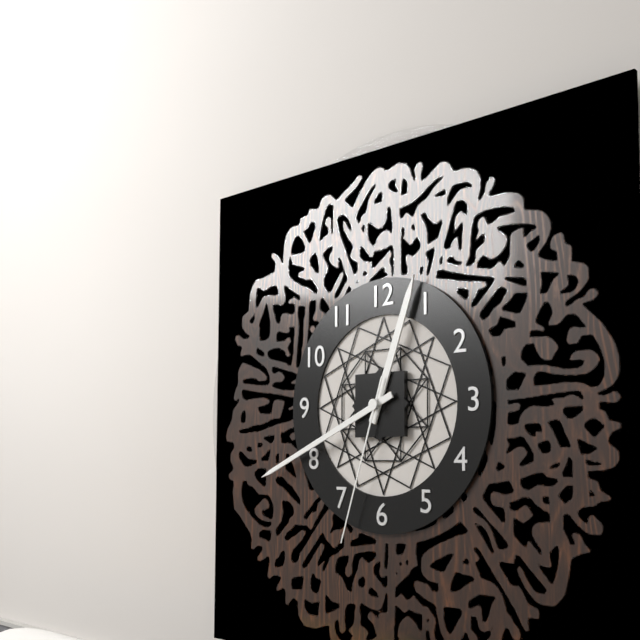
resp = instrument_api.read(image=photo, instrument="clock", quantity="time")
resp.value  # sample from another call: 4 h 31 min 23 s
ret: 12 h 41 min 33 s
